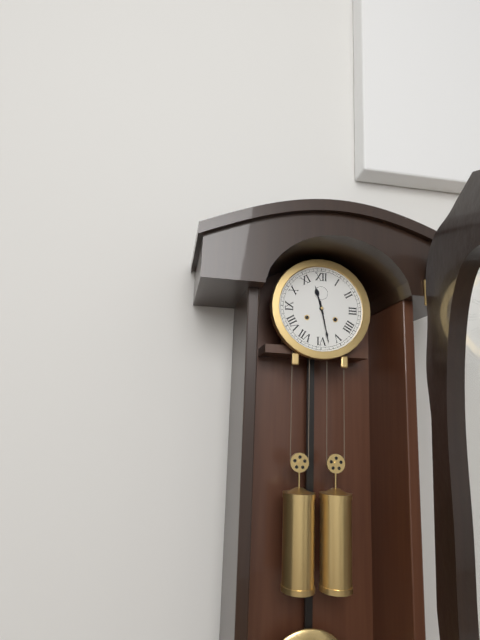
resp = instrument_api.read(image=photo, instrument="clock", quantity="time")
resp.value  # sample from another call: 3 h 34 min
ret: 11 h 28 min
